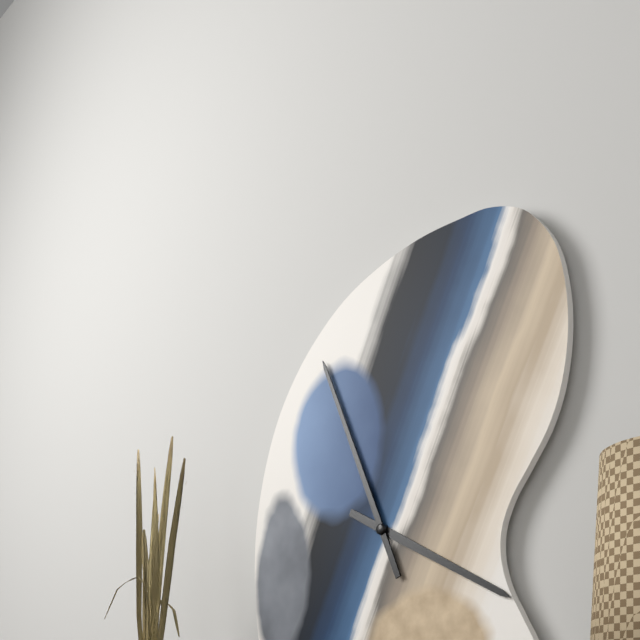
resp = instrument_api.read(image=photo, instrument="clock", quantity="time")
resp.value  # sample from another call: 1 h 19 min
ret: 3 h 56 min
